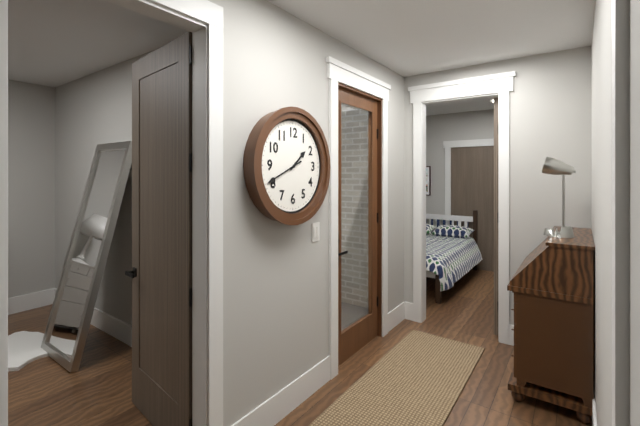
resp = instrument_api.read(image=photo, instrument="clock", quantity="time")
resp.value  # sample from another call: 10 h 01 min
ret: 1 h 41 min
